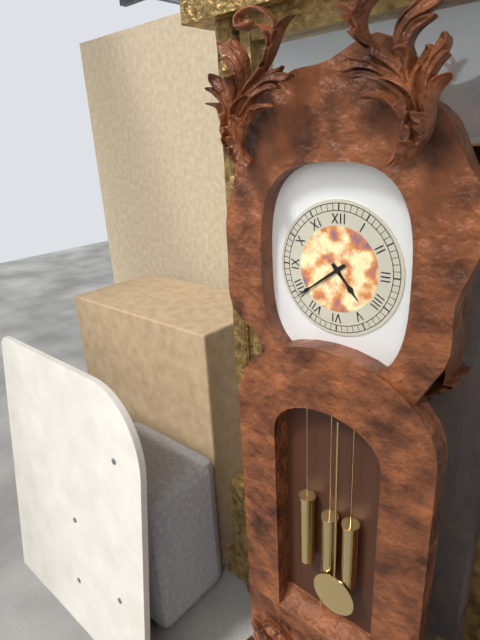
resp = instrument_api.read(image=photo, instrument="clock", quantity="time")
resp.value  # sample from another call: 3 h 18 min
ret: 4 h 39 min
